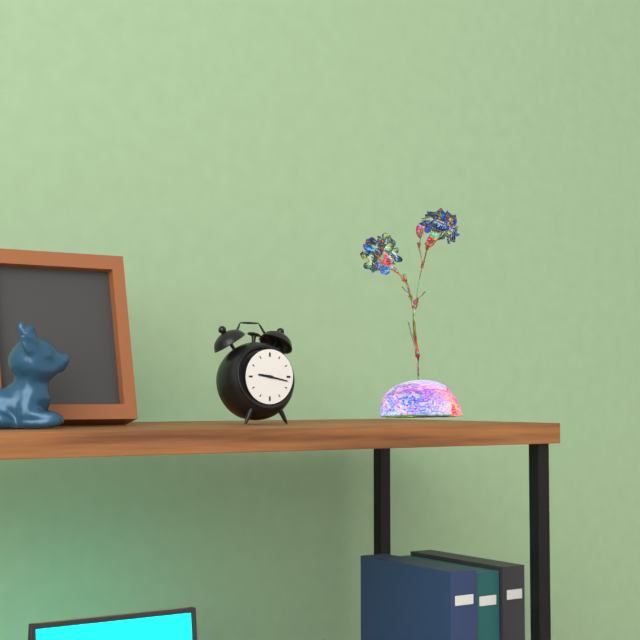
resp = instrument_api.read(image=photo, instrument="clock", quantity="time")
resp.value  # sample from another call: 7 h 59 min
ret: 9 h 17 min
